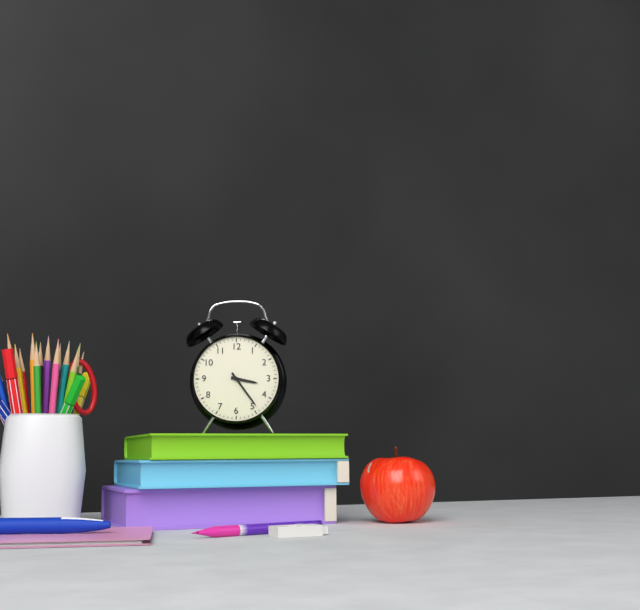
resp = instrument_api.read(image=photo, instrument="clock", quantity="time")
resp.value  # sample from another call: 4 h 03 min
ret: 3 h 24 min
